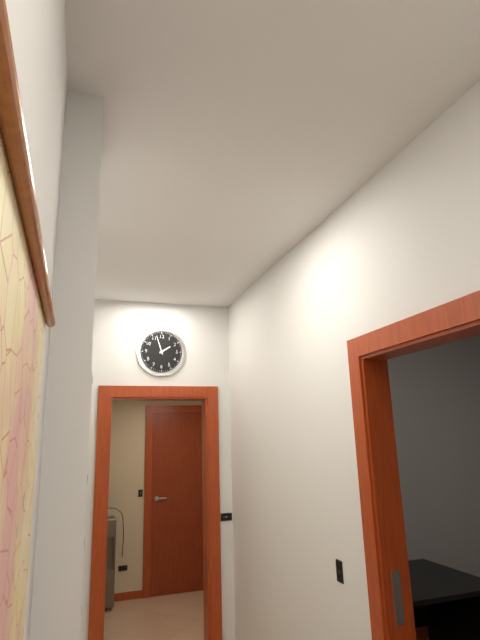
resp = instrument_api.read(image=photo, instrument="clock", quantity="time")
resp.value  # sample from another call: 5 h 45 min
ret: 1 h 57 min
